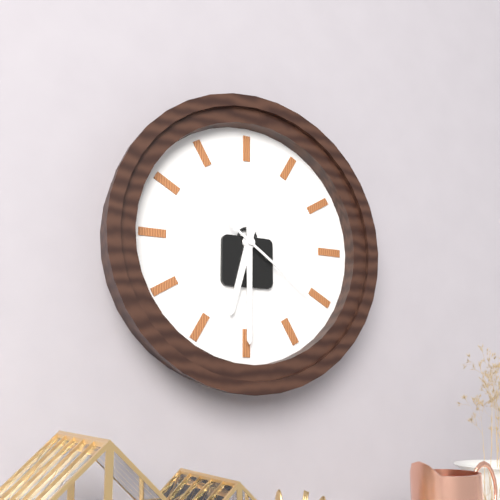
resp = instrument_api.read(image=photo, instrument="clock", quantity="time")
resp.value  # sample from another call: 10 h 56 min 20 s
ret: 6 h 30 min 21 s
